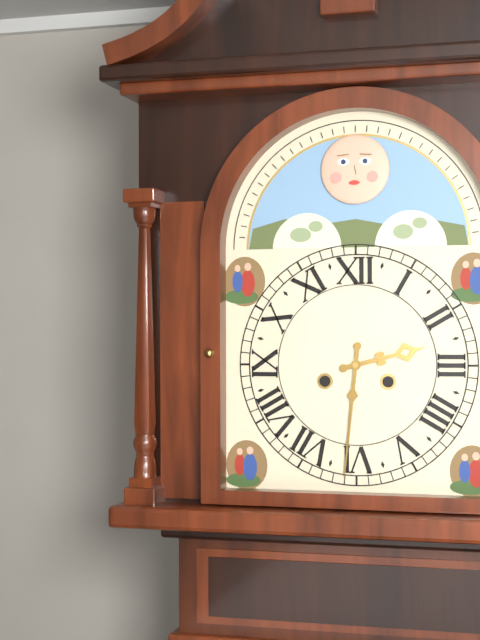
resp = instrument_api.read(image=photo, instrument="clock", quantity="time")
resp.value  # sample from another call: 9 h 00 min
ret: 2 h 31 min
